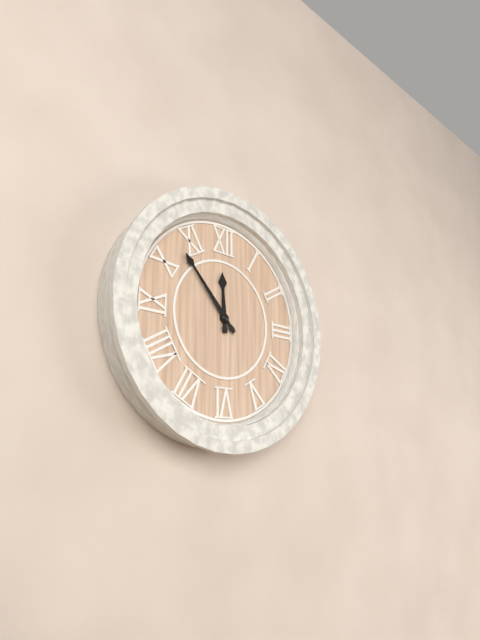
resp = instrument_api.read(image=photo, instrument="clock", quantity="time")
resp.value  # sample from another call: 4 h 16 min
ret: 11 h 53 min
